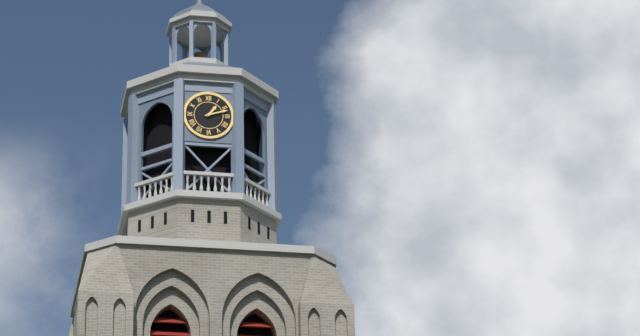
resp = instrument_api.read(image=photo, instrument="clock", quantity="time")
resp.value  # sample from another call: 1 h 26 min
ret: 1 h 12 min
